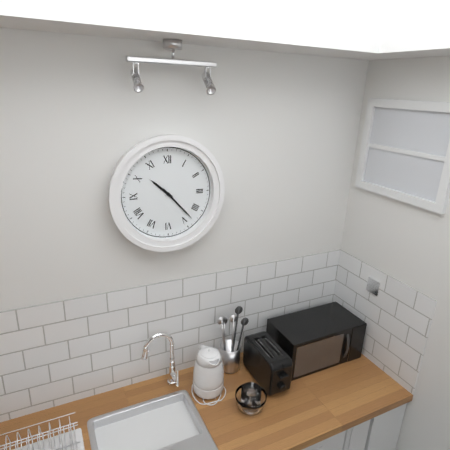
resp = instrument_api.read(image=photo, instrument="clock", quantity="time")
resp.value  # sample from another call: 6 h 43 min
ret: 10 h 23 min
